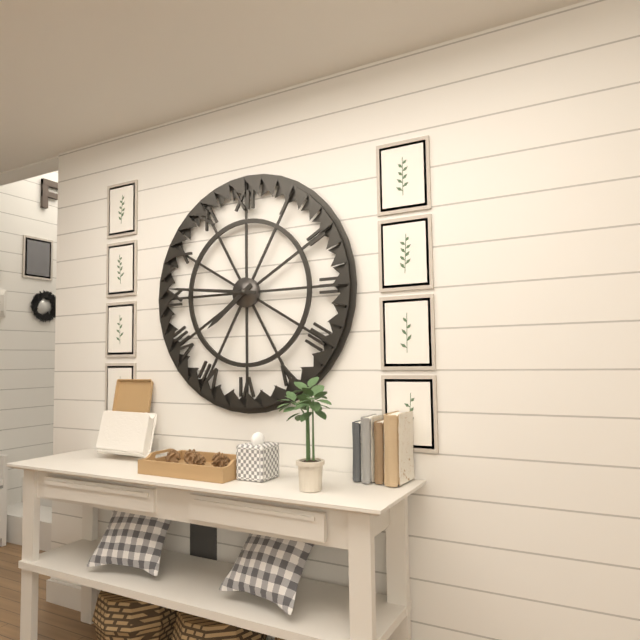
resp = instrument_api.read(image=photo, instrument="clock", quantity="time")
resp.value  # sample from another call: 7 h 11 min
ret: 7 h 46 min
